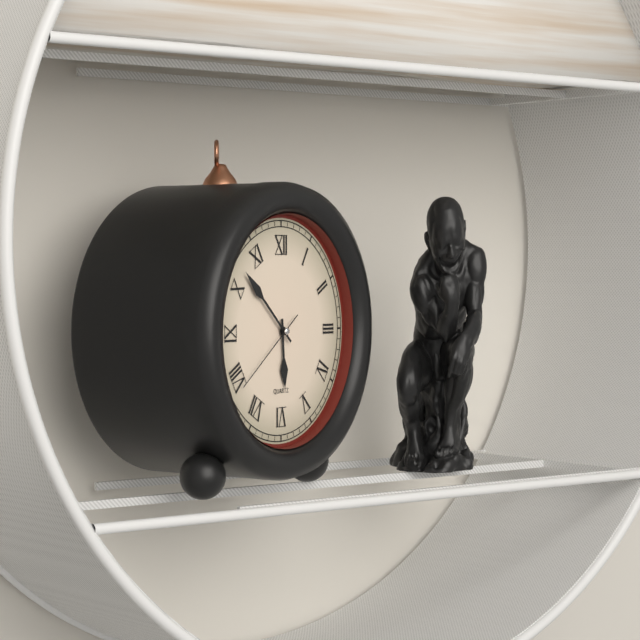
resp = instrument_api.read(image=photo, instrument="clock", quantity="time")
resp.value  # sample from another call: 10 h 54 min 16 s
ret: 5 h 52 min 39 s
